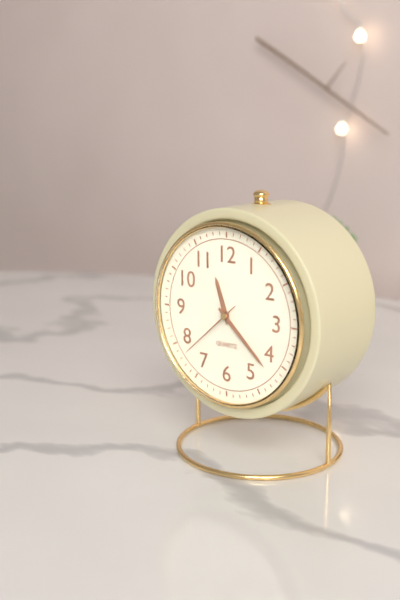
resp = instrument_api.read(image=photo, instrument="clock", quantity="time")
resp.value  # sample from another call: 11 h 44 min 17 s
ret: 11 h 22 min 38 s
